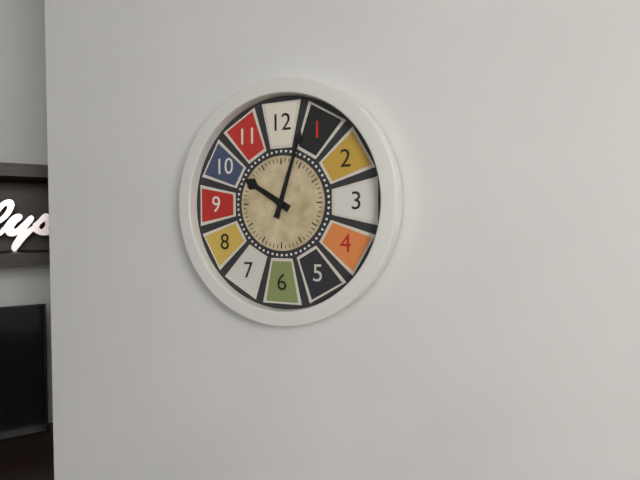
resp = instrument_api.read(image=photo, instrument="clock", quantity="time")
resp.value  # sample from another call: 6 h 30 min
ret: 10 h 03 min
